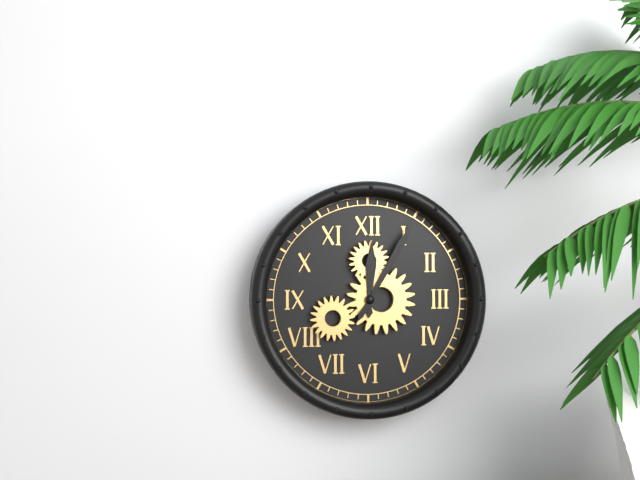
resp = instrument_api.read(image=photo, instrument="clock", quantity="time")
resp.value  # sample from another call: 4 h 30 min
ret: 12 h 05 min
